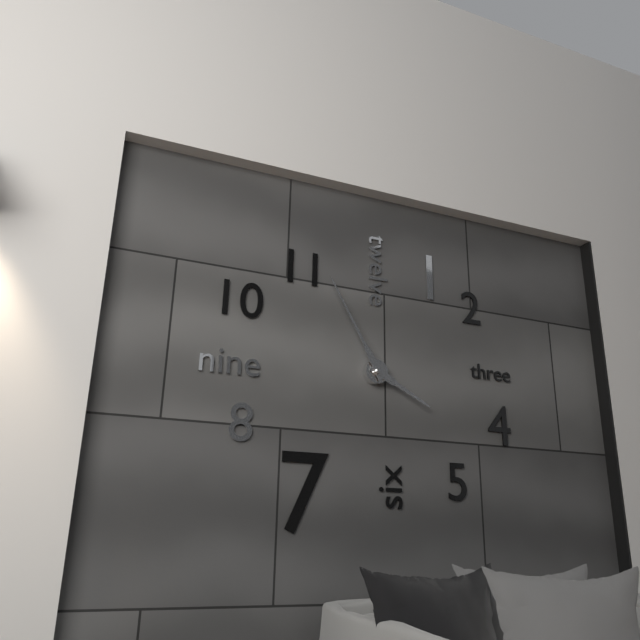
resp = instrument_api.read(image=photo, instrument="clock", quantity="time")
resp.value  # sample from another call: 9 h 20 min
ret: 3 h 55 min
